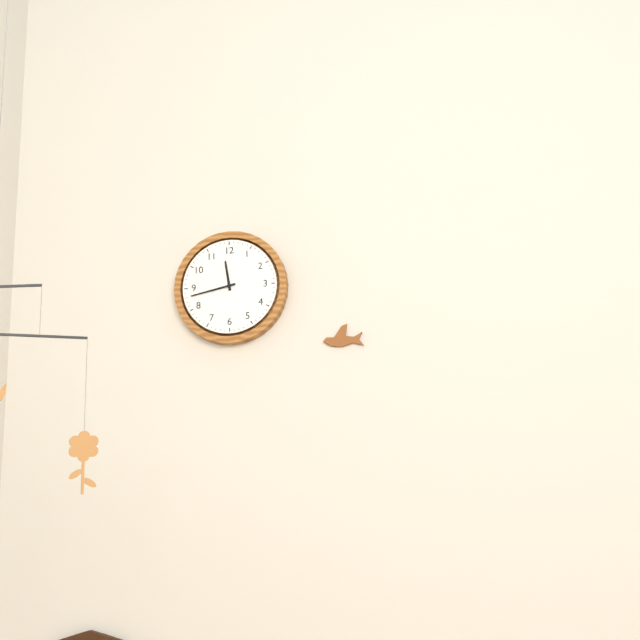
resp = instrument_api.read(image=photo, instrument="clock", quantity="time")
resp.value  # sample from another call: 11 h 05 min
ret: 11 h 43 min
